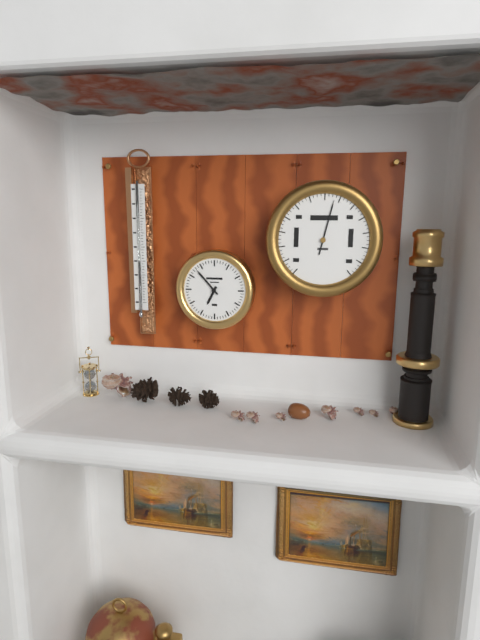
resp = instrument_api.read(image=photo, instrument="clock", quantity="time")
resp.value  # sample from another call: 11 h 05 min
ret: 6 h 53 min
